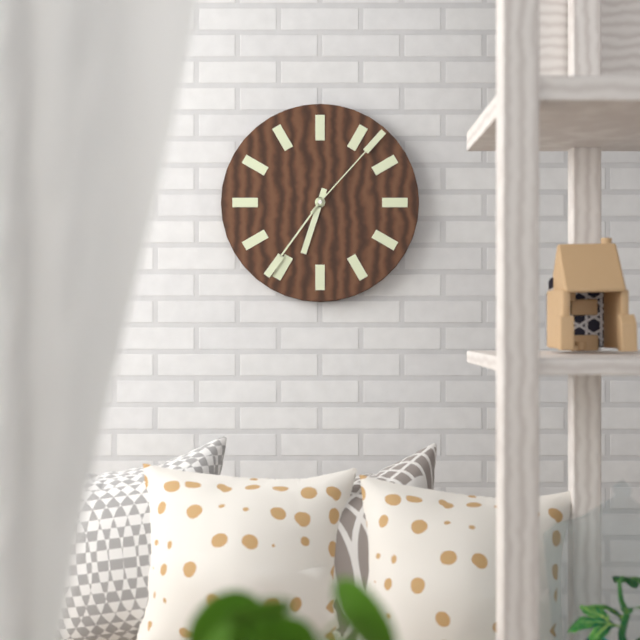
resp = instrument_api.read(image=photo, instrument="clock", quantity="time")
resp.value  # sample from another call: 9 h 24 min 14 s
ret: 6 h 36 min 07 s
